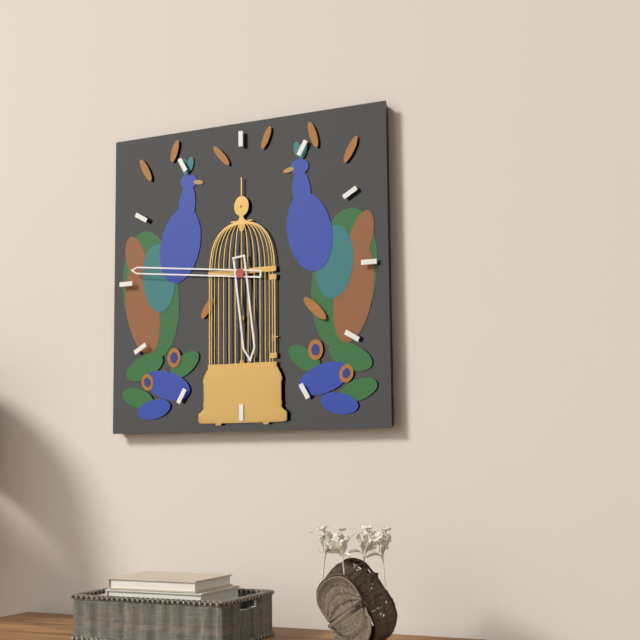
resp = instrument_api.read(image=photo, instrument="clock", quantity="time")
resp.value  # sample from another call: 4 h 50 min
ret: 5 h 46 min
